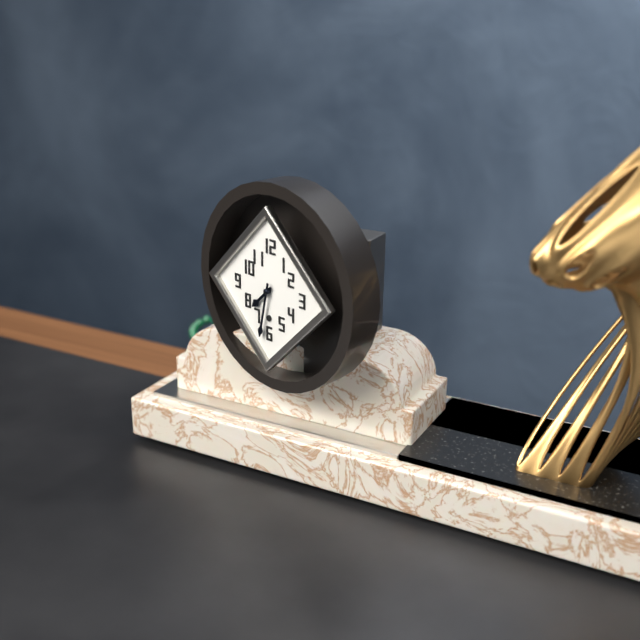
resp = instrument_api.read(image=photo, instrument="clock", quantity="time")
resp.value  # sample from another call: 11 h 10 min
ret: 7 h 32 min
